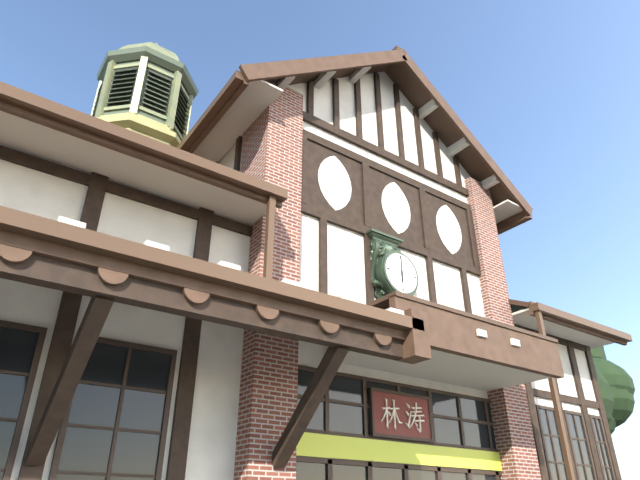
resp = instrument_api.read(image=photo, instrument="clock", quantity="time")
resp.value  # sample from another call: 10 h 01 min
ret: 6 h 00 min
